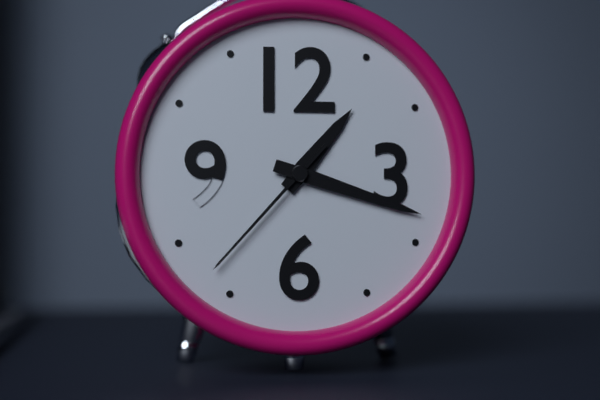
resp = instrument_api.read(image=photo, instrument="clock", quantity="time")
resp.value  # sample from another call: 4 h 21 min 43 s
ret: 1 h 18 min 37 s
